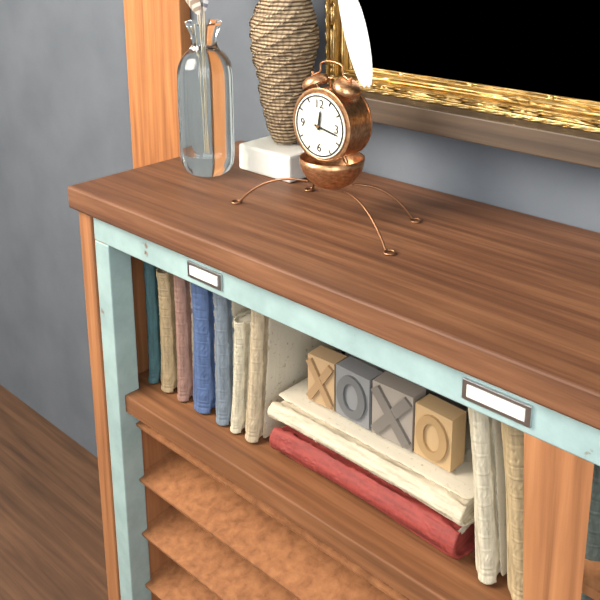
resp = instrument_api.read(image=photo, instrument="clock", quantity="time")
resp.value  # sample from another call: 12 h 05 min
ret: 12 h 17 min
